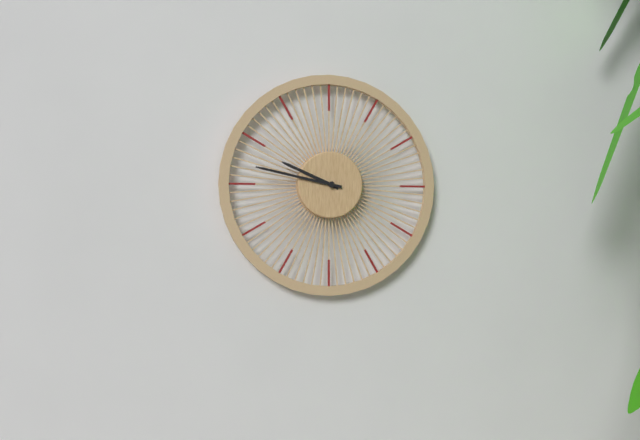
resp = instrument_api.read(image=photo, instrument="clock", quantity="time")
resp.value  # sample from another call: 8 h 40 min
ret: 9 h 47 min
